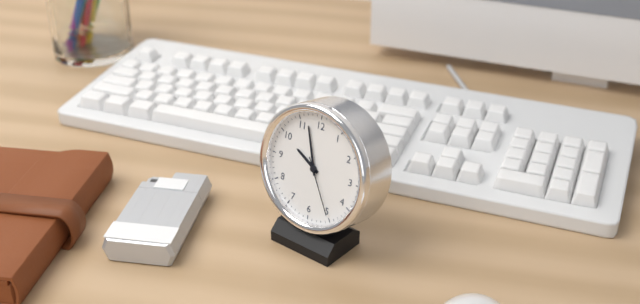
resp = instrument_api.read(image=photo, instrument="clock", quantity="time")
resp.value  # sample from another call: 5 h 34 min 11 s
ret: 9 h 57 min 25 s
